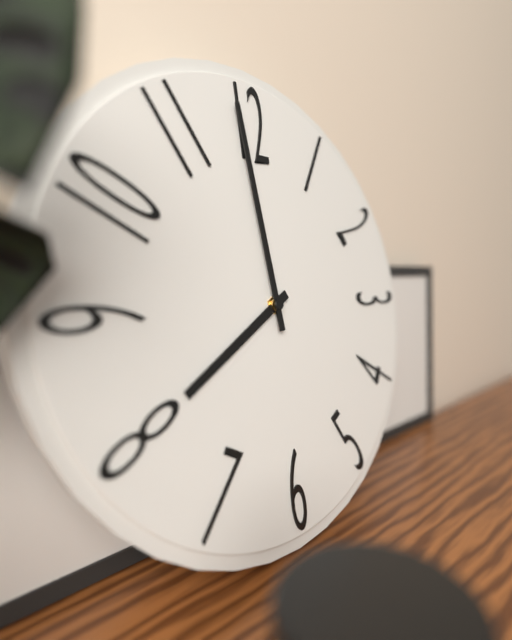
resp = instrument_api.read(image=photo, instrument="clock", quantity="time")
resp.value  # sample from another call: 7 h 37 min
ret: 7 h 59 min
